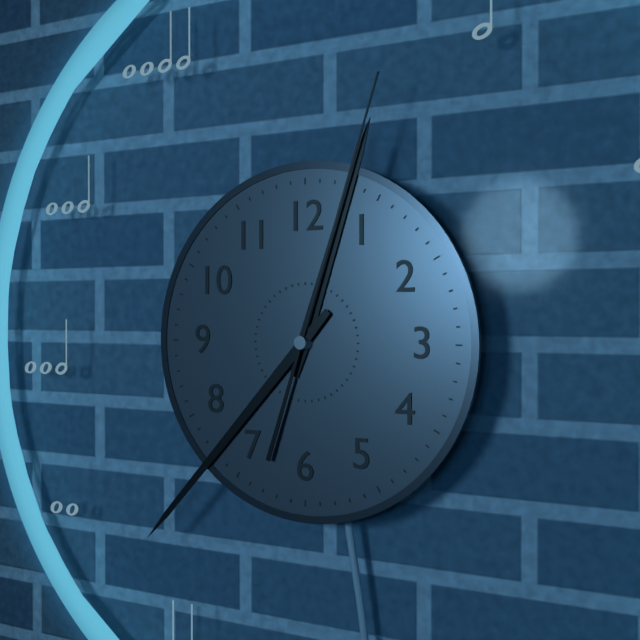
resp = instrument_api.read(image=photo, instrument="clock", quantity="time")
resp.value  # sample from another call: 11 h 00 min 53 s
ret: 12 h 37 min 03 s
